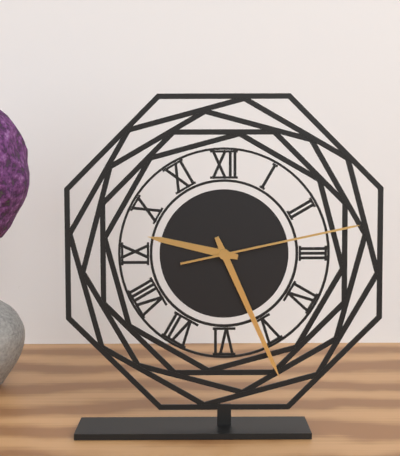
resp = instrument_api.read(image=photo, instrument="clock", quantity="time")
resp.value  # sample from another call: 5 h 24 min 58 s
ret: 9 h 26 min 13 s
